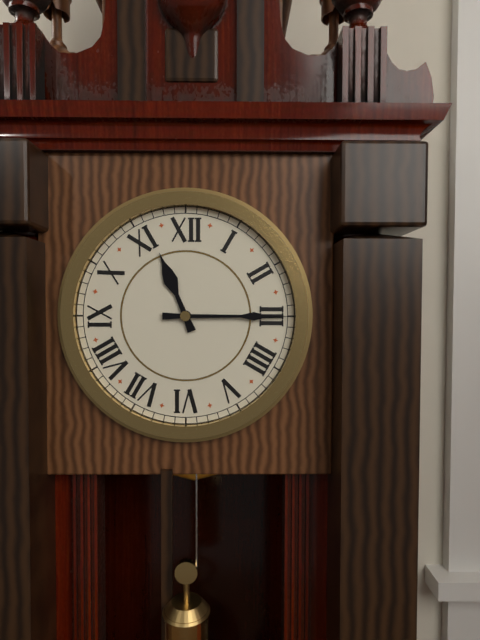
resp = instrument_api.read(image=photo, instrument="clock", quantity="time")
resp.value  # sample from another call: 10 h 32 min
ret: 11 h 15 min
